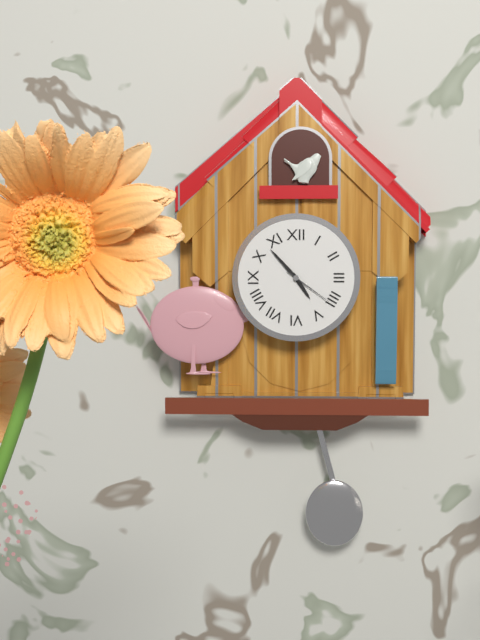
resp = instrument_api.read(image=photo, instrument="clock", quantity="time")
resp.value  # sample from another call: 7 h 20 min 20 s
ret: 4 h 53 min 21 s
